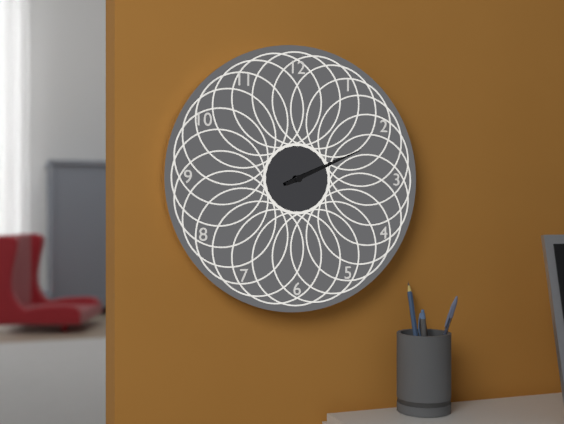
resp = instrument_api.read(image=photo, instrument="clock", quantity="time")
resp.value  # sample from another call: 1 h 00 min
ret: 2 h 11 min
